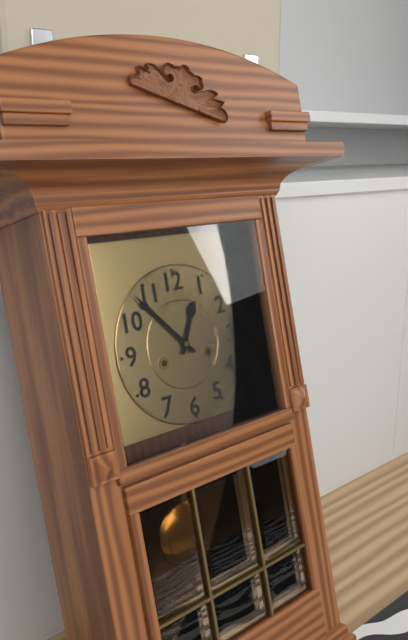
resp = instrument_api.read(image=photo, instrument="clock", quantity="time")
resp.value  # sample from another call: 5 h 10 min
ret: 12 h 53 min
